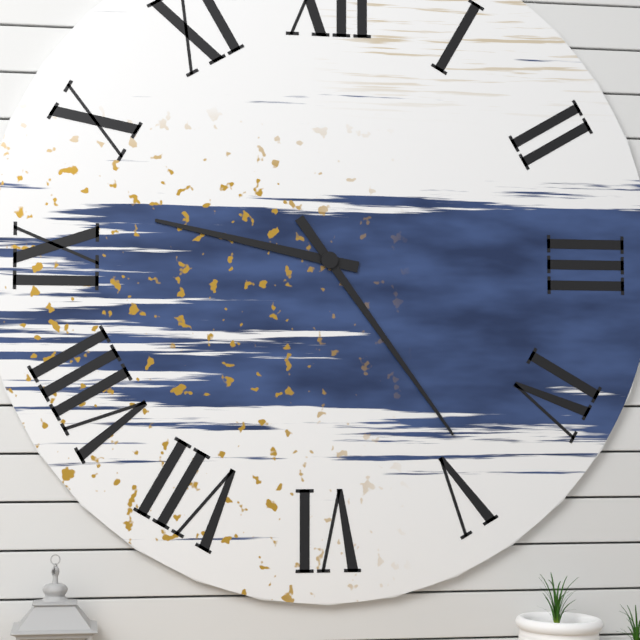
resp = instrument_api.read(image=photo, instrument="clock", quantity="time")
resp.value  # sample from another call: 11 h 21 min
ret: 9 h 24 min
